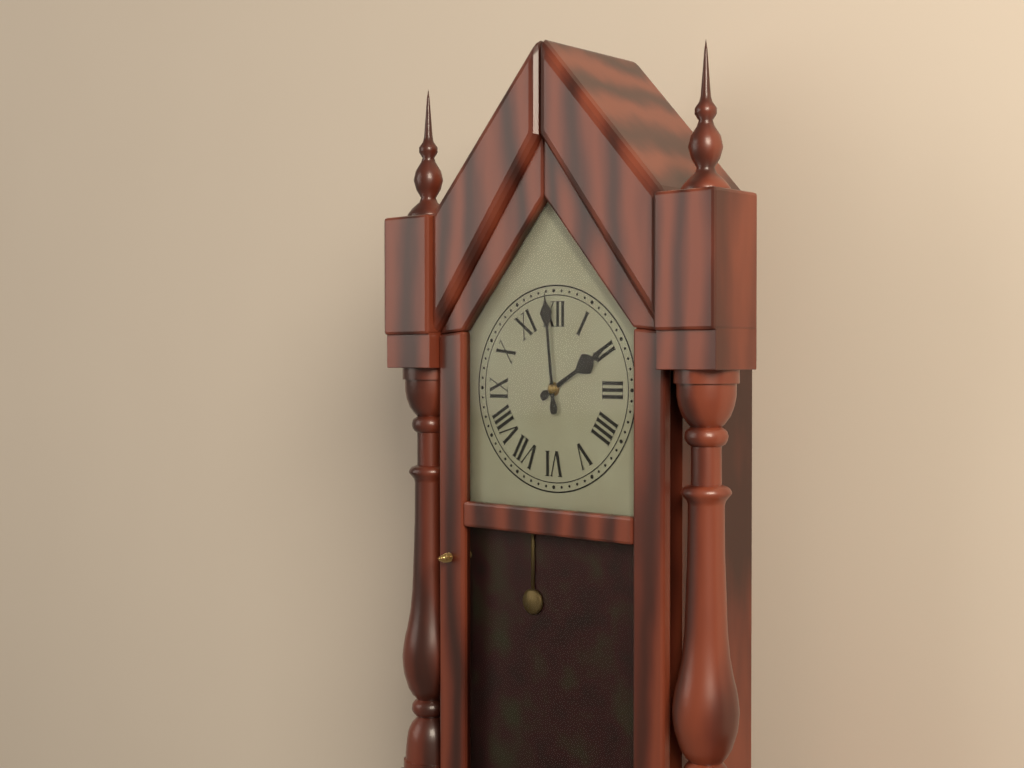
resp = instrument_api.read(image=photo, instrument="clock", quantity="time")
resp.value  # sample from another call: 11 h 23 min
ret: 1 h 59 min
